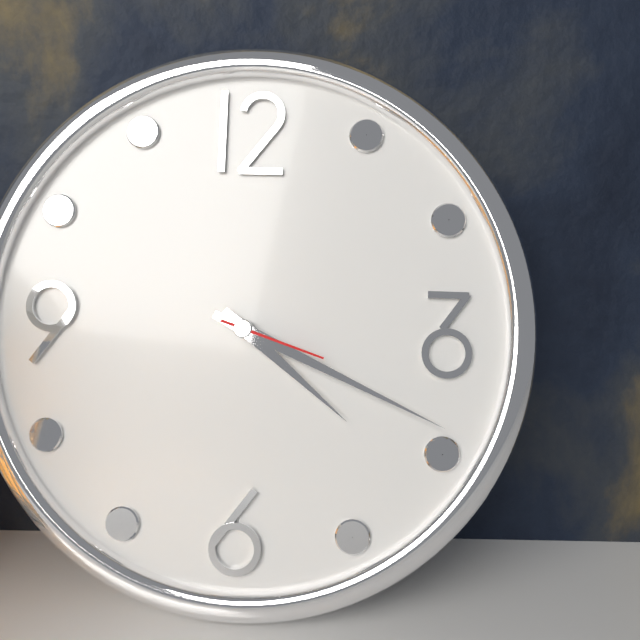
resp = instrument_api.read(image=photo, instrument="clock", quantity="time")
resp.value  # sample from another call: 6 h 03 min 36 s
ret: 4 h 19 min 18 s
